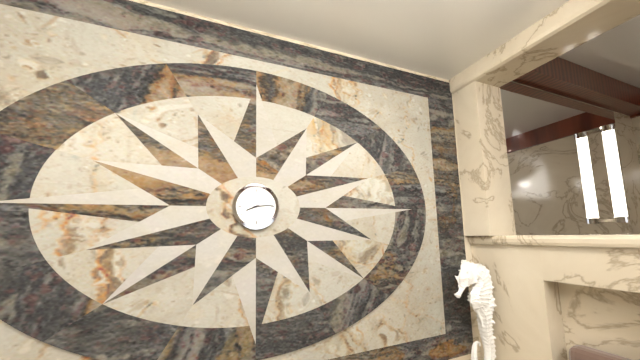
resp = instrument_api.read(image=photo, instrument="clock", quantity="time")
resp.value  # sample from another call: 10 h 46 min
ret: 8 h 14 min
